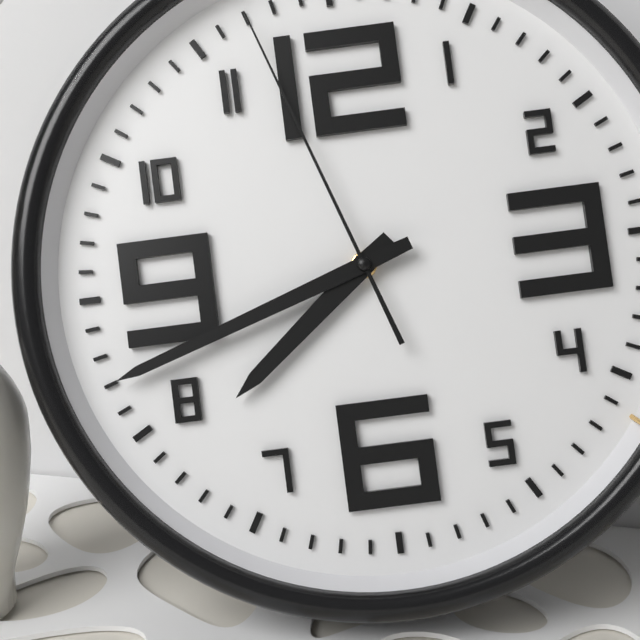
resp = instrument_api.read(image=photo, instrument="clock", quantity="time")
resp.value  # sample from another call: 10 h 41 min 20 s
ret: 7 h 42 min 57 s
